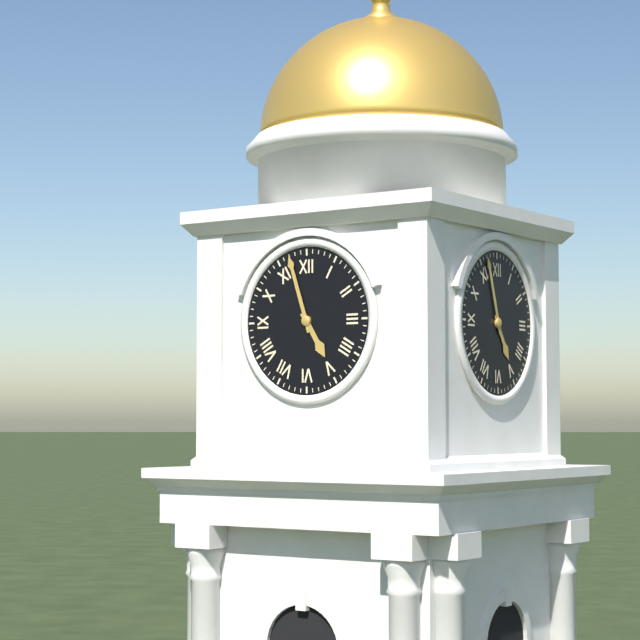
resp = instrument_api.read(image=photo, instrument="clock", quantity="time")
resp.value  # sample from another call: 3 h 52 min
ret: 4 h 57 min
